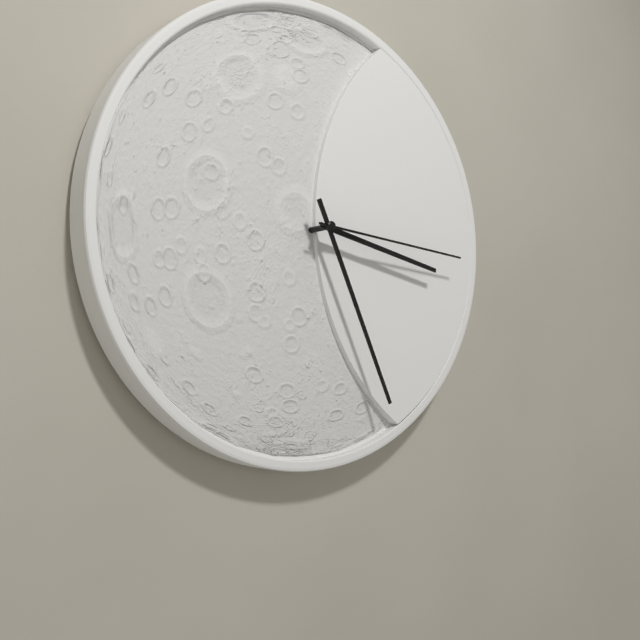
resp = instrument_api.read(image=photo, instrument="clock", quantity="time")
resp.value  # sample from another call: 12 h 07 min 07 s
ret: 3 h 26 min 16 s
